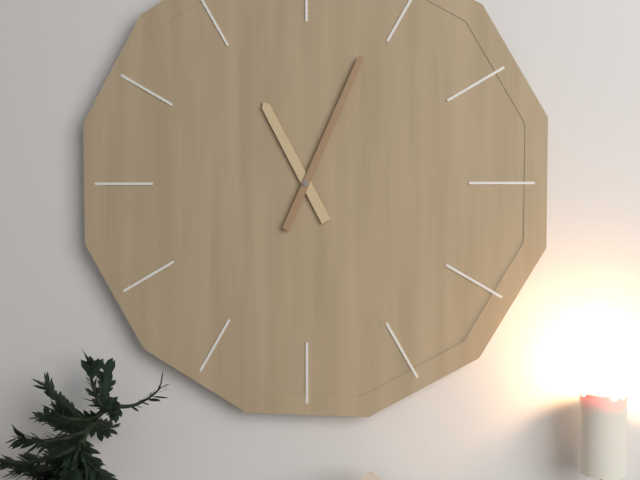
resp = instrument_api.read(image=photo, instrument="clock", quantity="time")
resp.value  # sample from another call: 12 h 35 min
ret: 11 h 04 min
